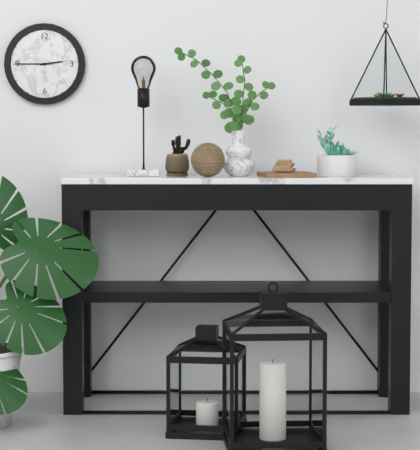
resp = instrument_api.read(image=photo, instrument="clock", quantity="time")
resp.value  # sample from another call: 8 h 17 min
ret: 2 h 45 min
